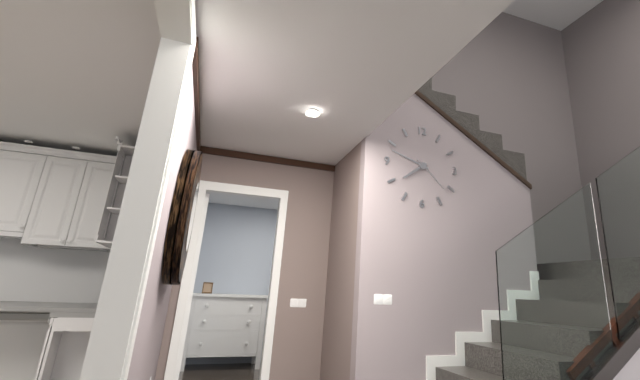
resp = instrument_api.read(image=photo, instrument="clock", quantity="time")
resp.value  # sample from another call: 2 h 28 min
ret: 7 h 48 min
